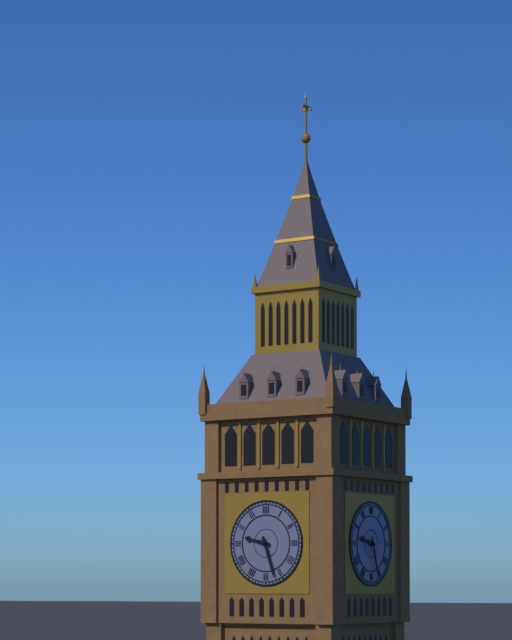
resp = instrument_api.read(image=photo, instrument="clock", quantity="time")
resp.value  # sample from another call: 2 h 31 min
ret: 9 h 27 min
